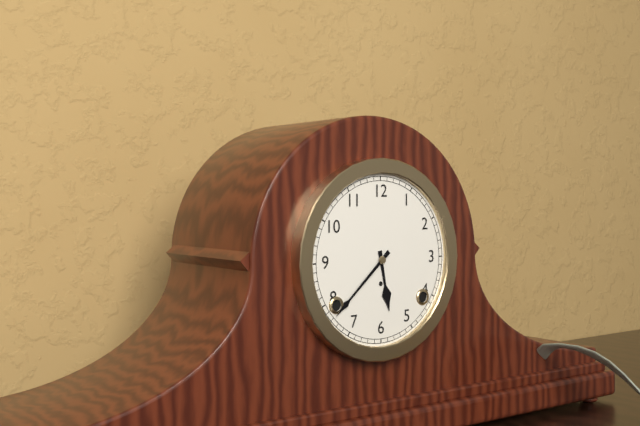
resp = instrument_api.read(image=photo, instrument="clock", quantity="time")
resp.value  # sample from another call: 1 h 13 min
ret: 5 h 38 min
